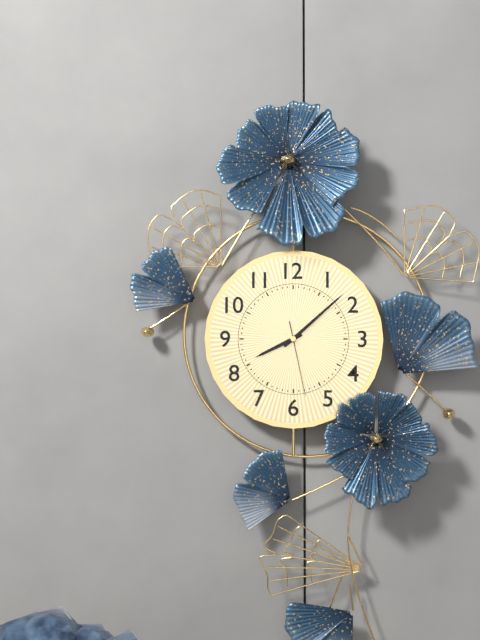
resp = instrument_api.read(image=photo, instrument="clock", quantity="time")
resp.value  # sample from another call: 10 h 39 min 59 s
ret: 8 h 08 min 28 s
